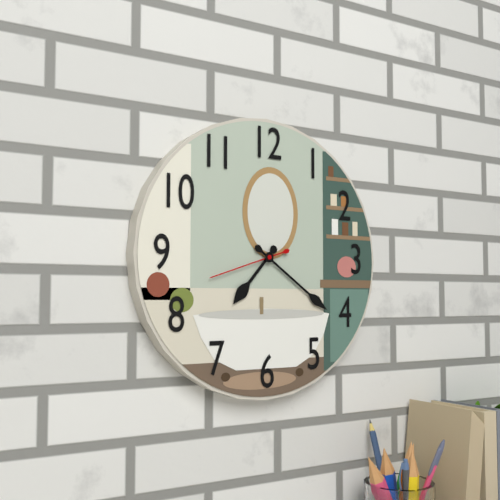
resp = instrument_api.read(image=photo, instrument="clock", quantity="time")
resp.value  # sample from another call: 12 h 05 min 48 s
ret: 7 h 21 min 42 s
